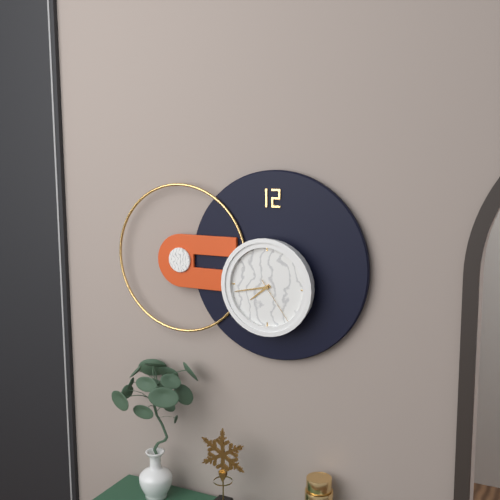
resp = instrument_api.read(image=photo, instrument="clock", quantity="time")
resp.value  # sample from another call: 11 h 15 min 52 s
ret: 7 h 43 min 24 s
